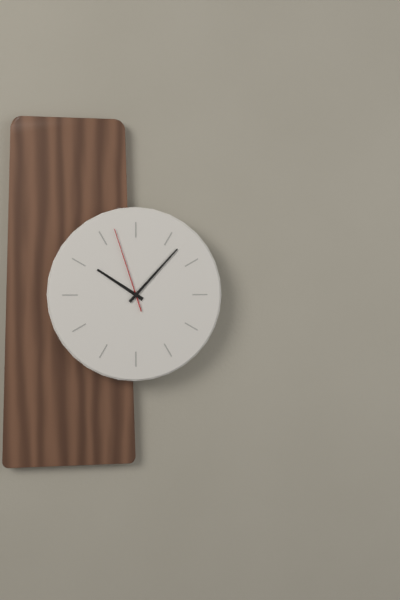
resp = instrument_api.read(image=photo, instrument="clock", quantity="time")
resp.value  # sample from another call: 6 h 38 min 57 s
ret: 10 h 07 min 57 s
